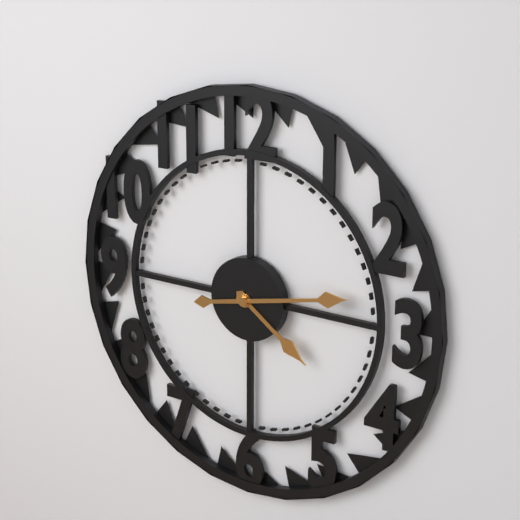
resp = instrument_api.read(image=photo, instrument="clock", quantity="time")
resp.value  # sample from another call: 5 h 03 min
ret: 4 h 13 min
